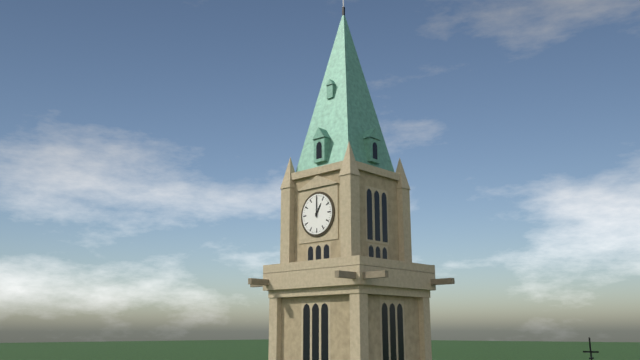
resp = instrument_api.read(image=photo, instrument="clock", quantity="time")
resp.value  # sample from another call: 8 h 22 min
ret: 1 h 00 min
